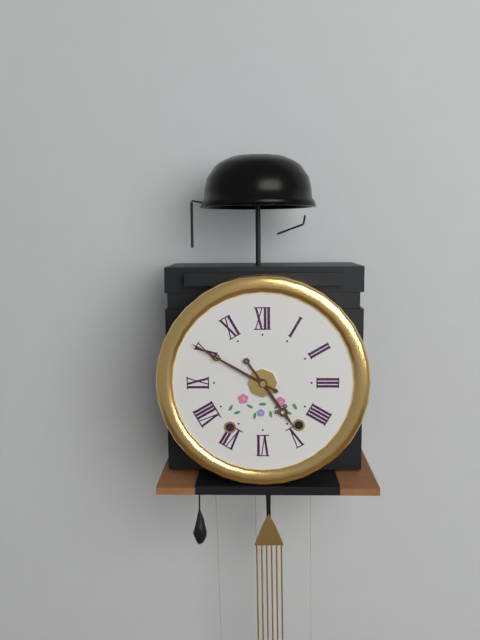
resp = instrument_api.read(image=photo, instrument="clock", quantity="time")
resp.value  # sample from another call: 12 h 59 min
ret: 4 h 50 min
